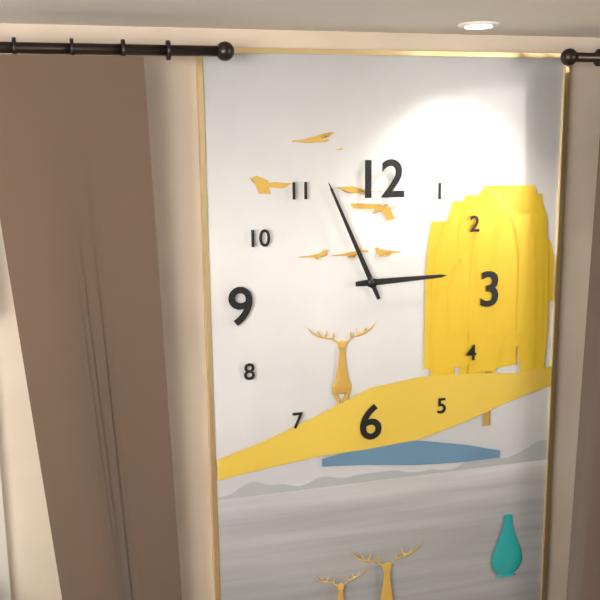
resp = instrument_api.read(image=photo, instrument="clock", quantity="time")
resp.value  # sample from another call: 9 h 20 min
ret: 2 h 56 min
